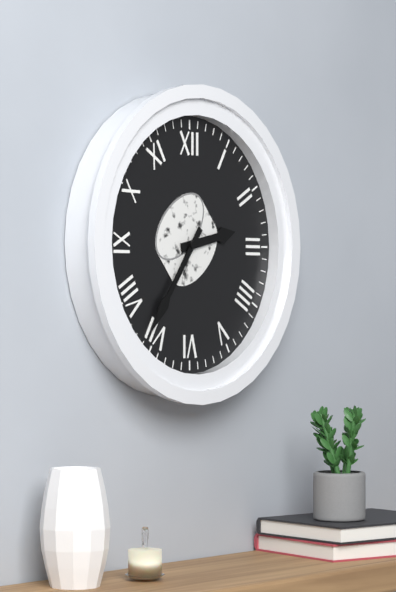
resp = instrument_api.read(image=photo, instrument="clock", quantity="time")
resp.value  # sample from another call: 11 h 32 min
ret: 2 h 36 min
